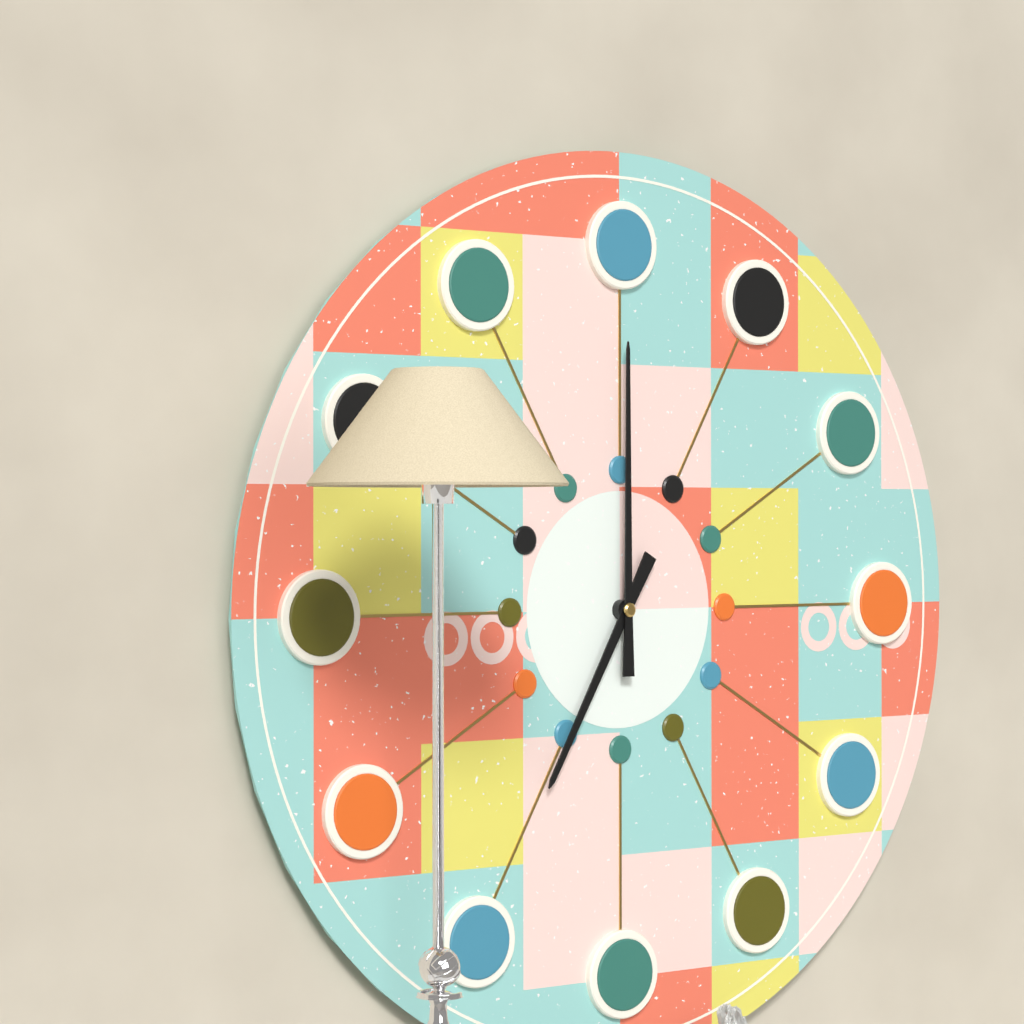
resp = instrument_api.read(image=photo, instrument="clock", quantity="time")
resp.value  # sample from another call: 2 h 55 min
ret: 7 h 00 min
